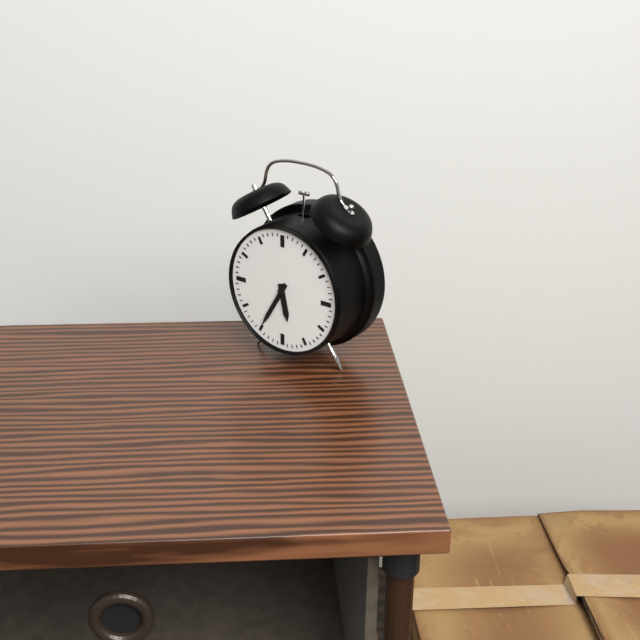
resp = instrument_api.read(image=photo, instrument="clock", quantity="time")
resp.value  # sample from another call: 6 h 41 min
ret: 5 h 35 min
